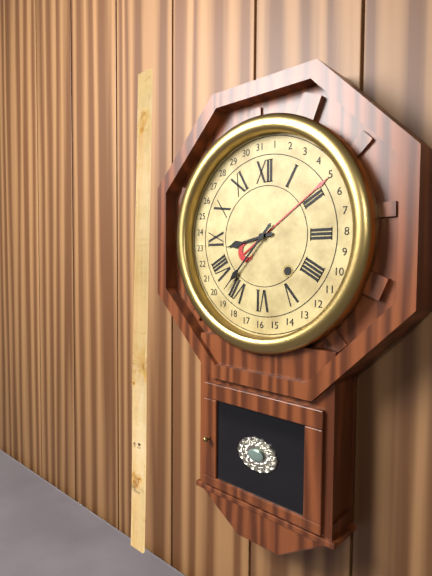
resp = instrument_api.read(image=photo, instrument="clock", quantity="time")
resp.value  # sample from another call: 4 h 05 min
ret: 8 h 37 min
